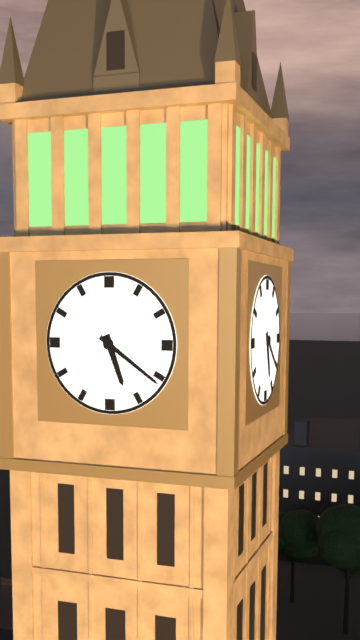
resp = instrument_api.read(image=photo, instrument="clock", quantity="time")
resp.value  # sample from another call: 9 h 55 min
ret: 5 h 21 min
